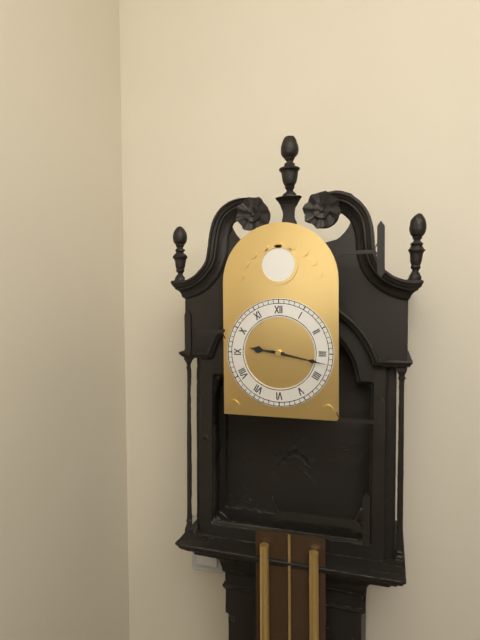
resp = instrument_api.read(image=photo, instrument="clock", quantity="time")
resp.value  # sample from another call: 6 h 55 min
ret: 9 h 17 min
